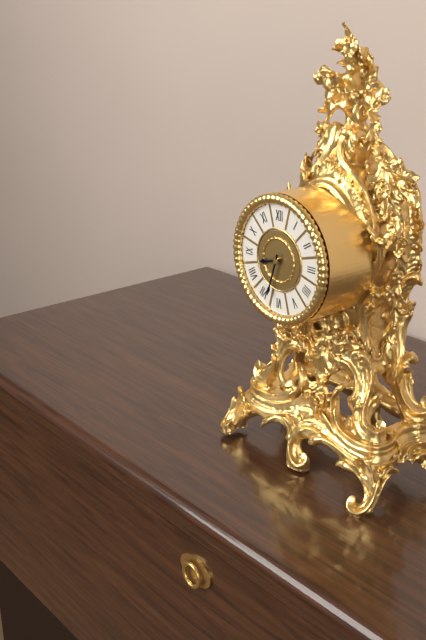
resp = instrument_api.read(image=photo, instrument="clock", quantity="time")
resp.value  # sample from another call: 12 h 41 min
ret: 8 h 33 min
